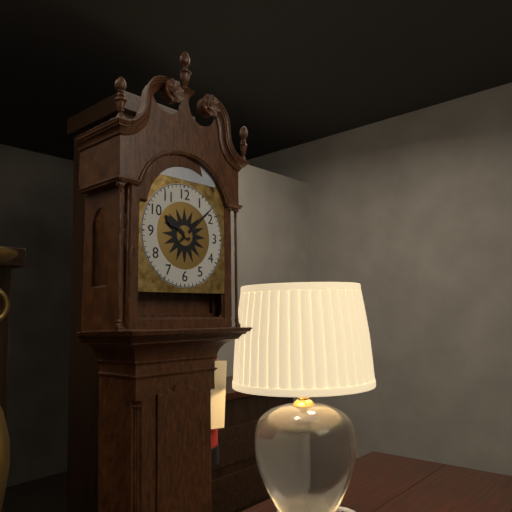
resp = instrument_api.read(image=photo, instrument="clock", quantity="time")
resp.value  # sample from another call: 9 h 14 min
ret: 10 h 08 min
